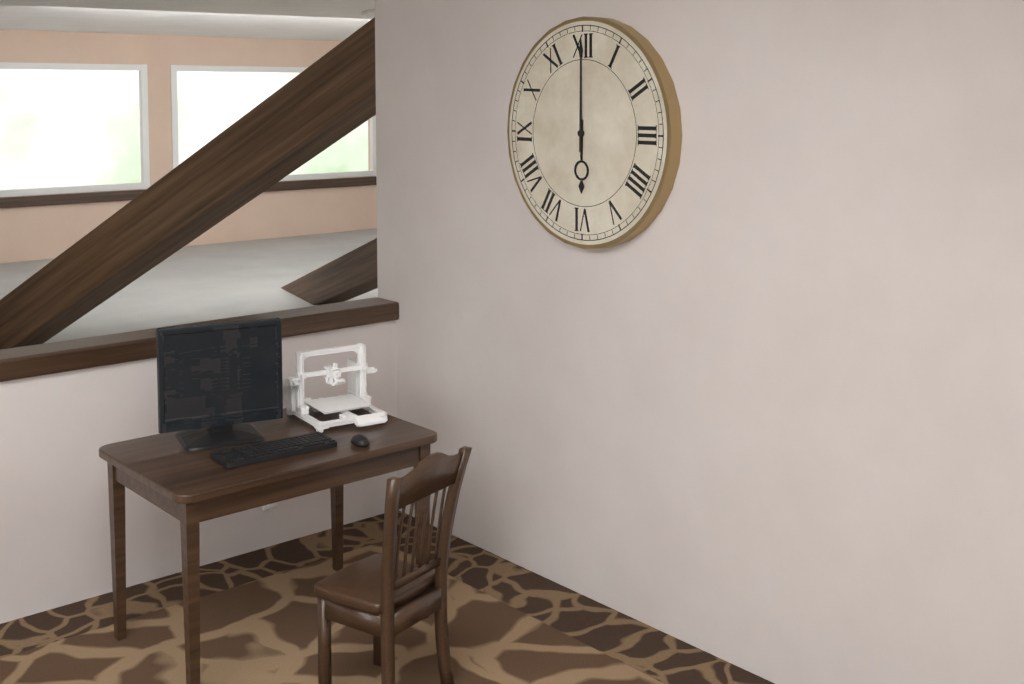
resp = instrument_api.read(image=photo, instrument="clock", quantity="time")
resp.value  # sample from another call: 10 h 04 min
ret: 6 h 00 min
